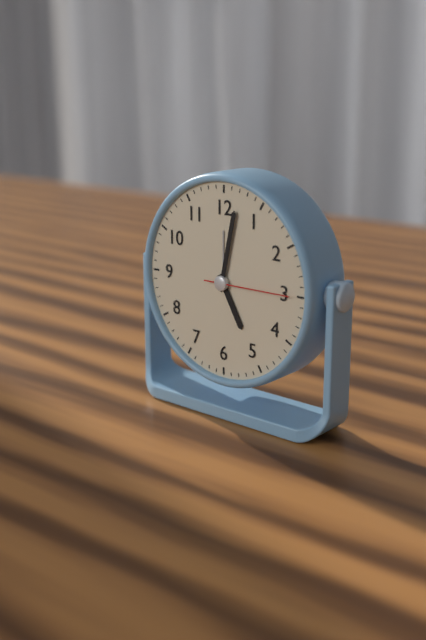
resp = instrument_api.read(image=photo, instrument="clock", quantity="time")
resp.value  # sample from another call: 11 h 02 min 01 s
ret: 5 h 02 min 15 s
